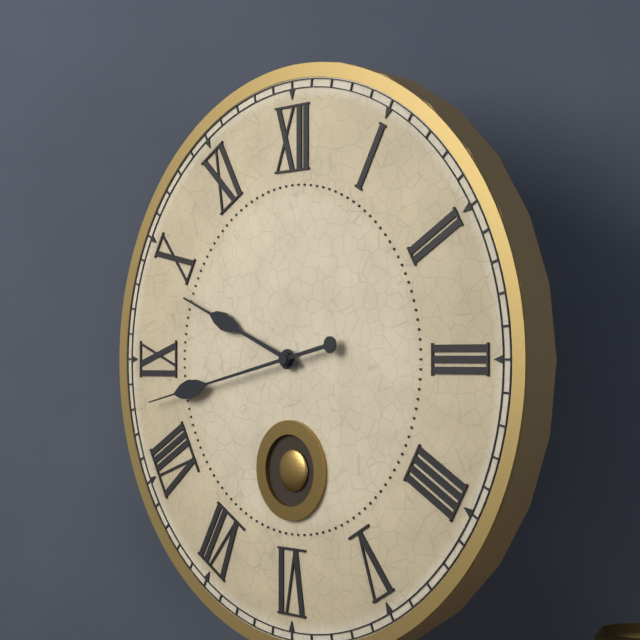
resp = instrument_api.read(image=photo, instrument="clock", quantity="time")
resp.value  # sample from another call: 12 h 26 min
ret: 9 h 43 min
